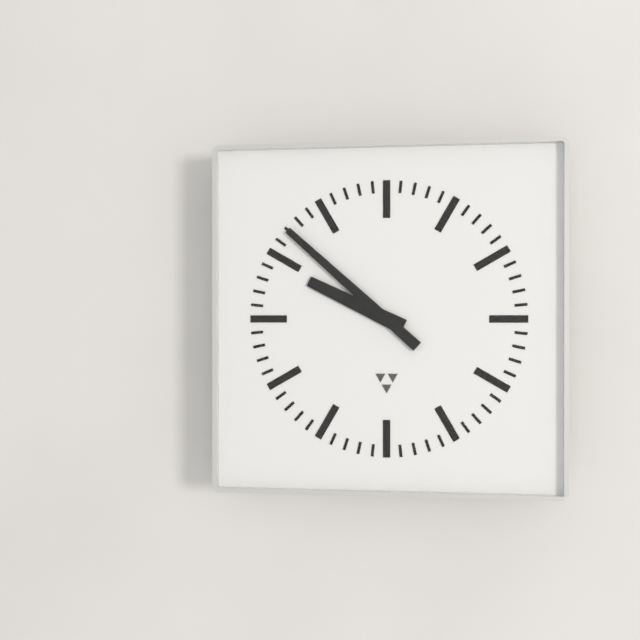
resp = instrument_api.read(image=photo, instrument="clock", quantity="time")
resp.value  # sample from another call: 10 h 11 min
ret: 9 h 52 min
